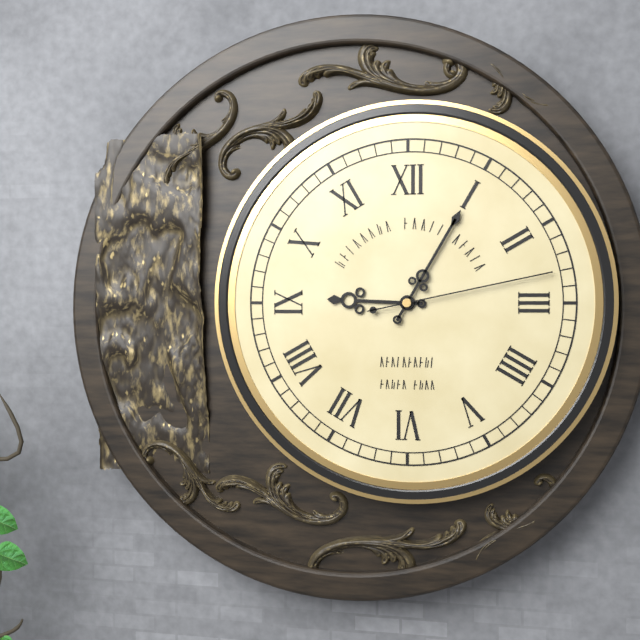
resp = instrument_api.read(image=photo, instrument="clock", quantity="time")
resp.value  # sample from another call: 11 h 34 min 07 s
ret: 9 h 05 min 13 s
